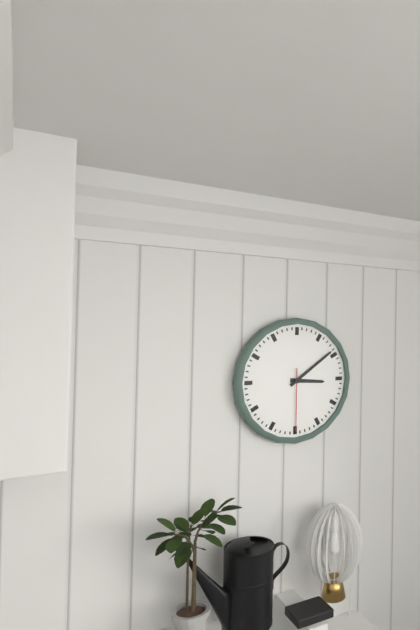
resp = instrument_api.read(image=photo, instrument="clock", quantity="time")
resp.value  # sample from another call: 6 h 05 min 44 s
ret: 3 h 09 min 30 s
